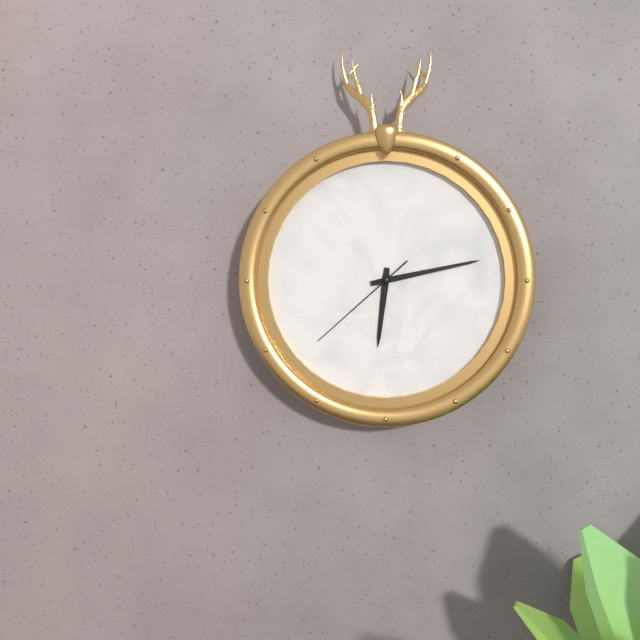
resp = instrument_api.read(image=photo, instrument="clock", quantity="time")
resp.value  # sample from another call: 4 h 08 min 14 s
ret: 6 h 13 min 38 s
